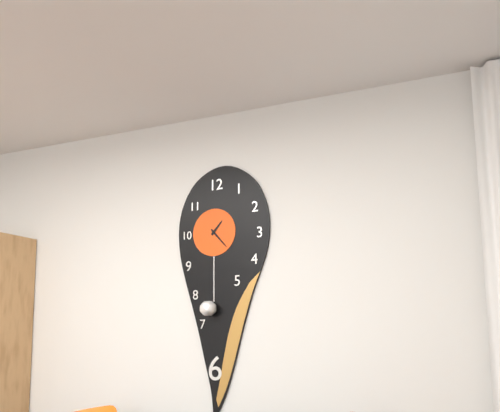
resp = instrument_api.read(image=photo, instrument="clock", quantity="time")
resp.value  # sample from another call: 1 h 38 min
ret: 1 h 23 min
